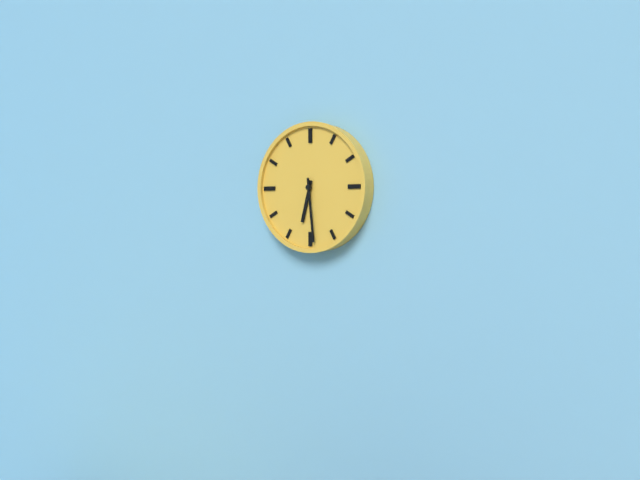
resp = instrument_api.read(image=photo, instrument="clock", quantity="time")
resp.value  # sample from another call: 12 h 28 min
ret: 6 h 29 min
